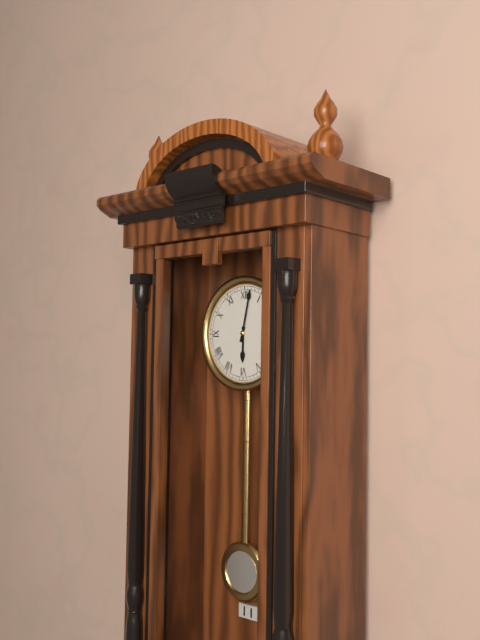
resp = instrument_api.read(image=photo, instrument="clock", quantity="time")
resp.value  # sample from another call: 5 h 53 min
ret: 6 h 02 min
